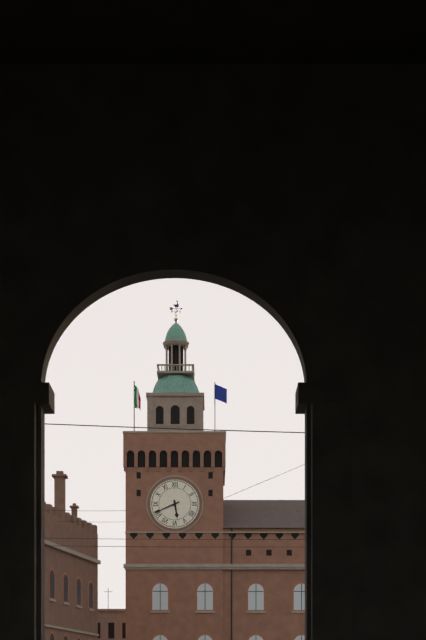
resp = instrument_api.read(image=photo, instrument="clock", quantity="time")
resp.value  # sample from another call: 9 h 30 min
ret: 5 h 41 min
